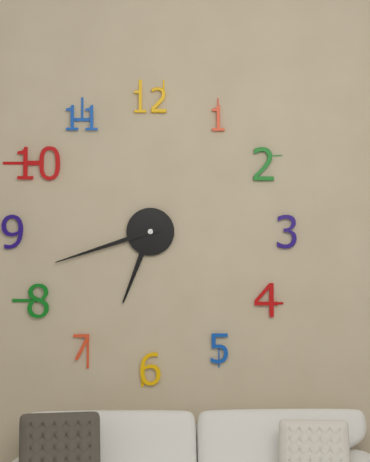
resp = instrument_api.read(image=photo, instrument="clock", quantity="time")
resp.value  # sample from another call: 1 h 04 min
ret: 6 h 42 min
